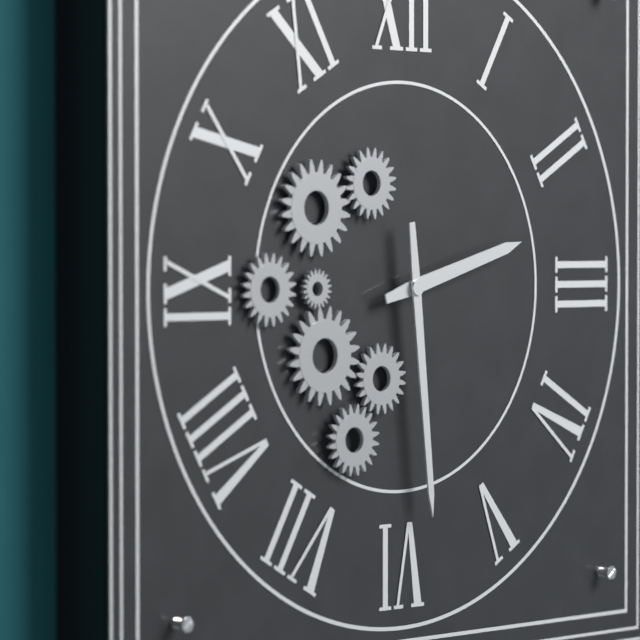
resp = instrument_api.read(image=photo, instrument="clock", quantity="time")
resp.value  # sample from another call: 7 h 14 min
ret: 2 h 29 min
